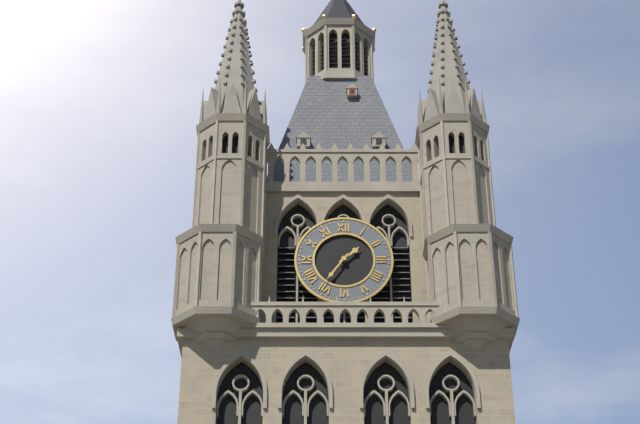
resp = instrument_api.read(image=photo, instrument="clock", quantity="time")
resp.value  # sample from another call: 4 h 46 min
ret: 1 h 36 min
